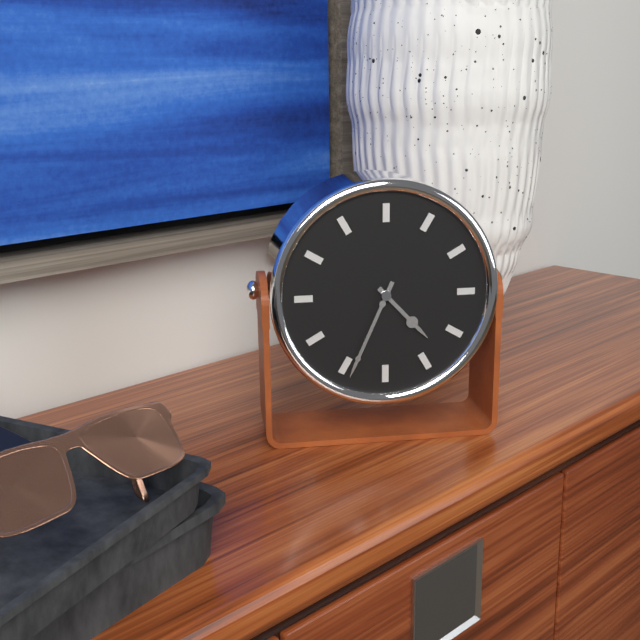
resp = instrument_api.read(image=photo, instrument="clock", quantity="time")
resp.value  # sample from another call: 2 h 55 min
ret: 4 h 34 min
